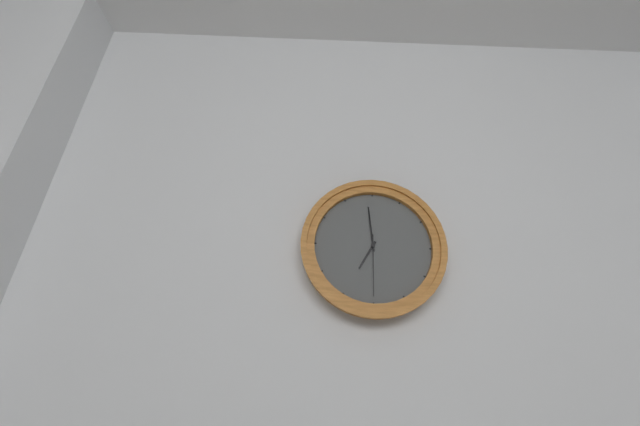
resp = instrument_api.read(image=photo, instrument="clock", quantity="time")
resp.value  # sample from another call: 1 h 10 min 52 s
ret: 6 h 59 min 30 s
